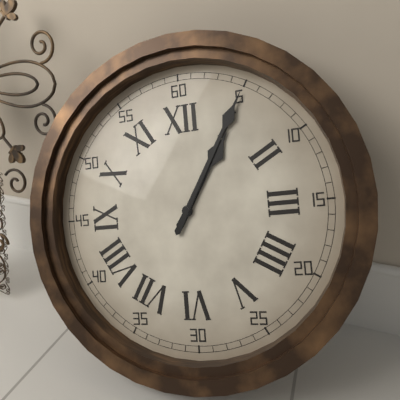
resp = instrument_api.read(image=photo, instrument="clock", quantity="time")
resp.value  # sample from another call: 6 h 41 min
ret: 1 h 05 min
